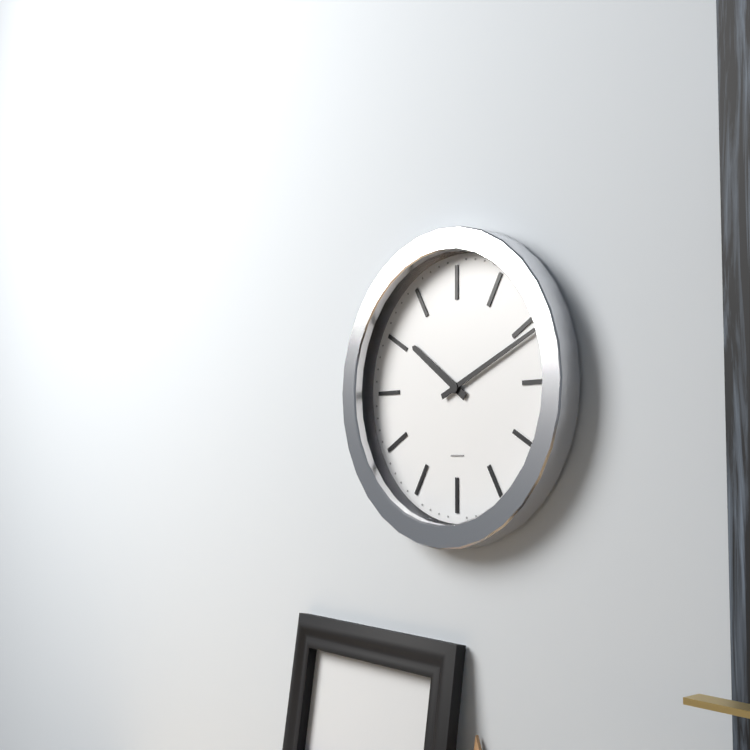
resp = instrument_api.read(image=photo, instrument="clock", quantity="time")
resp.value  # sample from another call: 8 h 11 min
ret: 10 h 11 min
